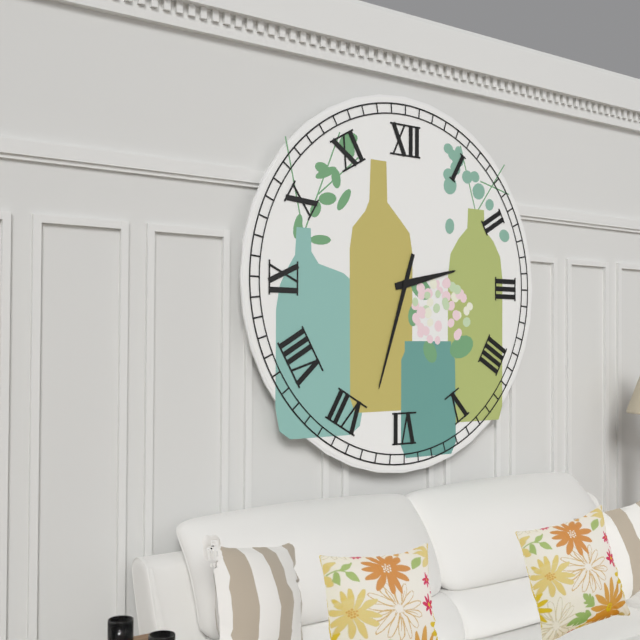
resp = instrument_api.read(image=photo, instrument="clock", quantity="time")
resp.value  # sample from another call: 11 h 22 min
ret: 2 h 33 min
